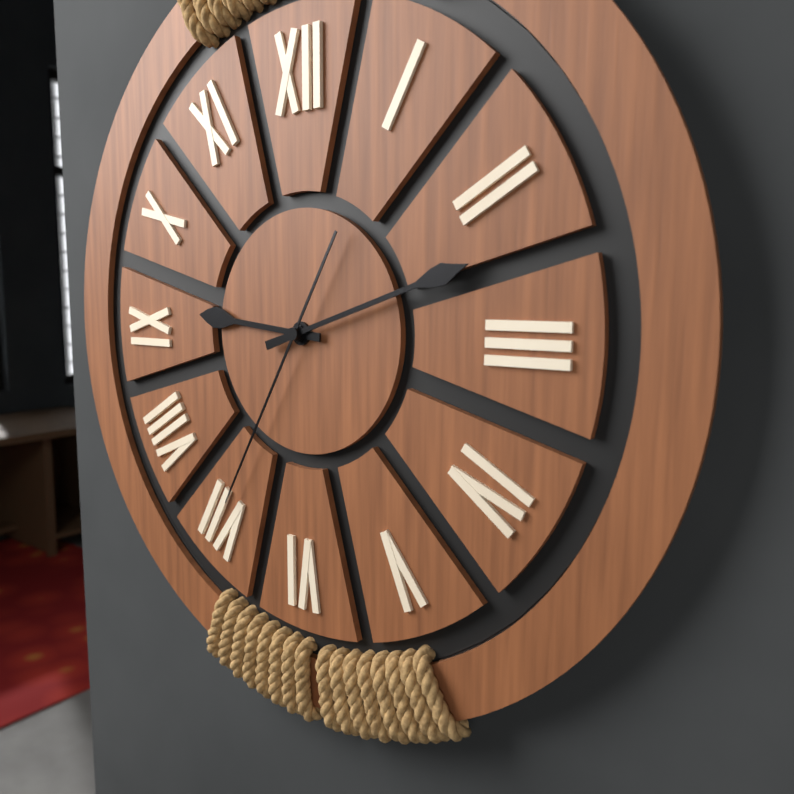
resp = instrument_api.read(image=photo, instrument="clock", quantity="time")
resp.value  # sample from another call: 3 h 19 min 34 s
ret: 9 h 12 min 35 s
